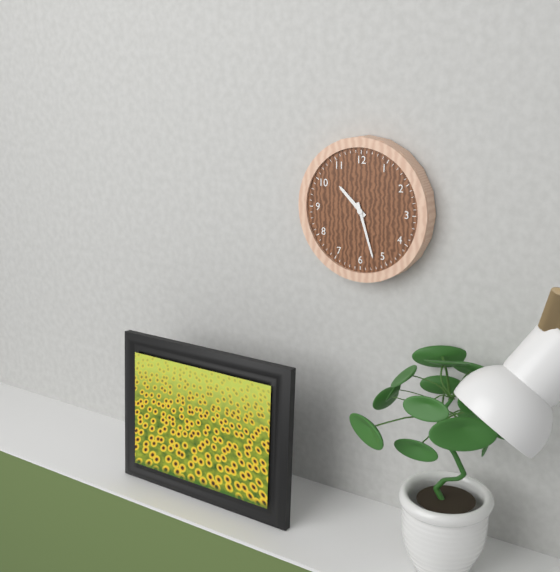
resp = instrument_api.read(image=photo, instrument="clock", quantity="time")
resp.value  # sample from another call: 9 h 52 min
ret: 10 h 27 min
